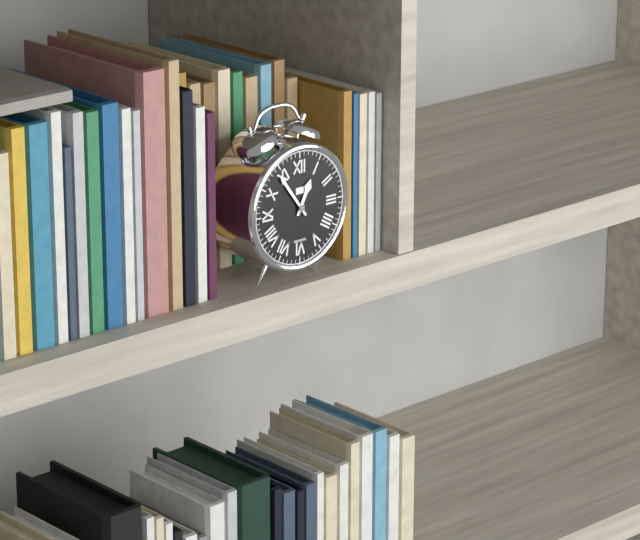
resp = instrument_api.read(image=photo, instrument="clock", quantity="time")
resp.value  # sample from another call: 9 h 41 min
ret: 12 h 54 min
